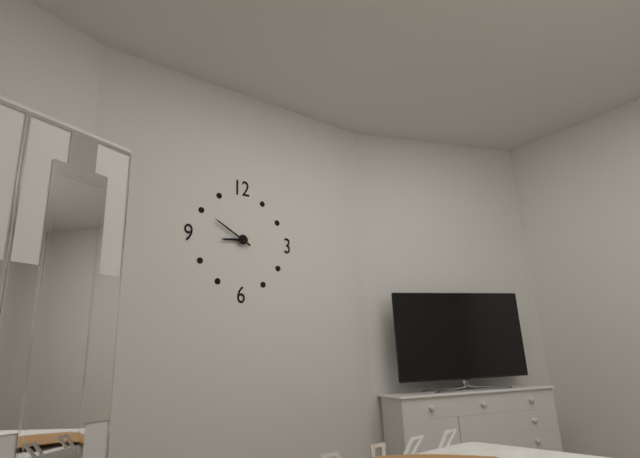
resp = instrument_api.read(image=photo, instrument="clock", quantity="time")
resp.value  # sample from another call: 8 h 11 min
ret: 8 h 50 min
